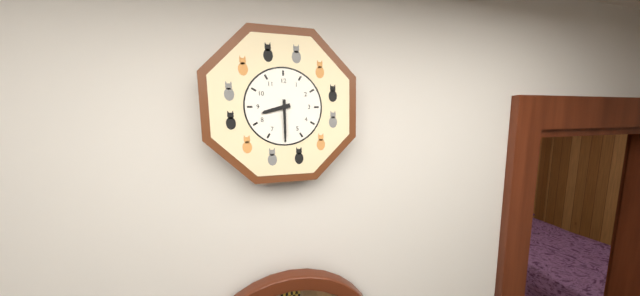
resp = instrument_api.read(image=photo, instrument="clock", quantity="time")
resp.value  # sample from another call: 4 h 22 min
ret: 8 h 30 min
